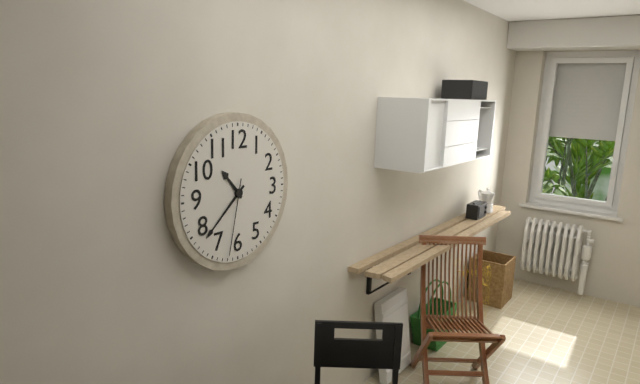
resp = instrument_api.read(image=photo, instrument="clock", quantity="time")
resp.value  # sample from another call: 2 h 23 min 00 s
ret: 10 h 38 min 32 s
